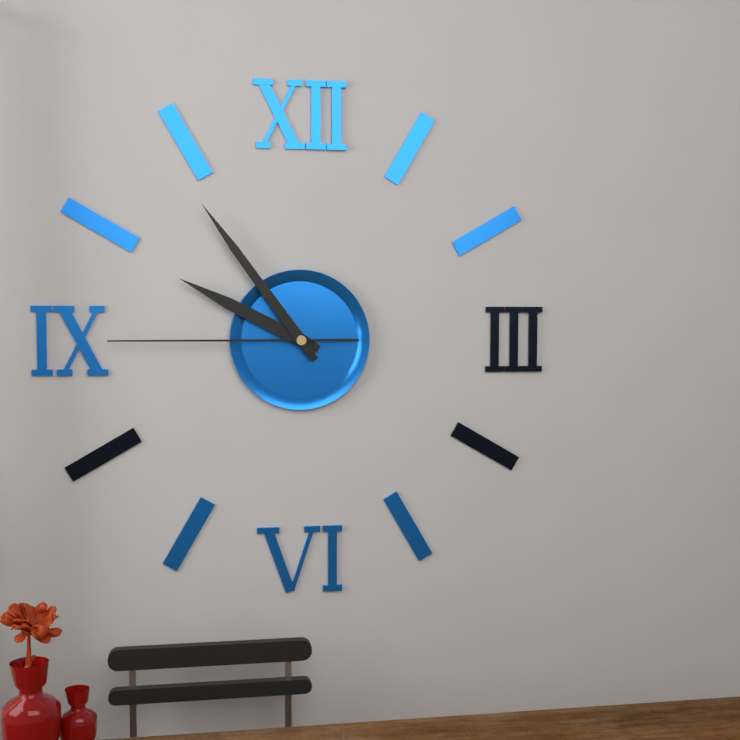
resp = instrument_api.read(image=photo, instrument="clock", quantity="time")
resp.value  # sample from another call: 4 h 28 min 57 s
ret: 9 h 54 min 45 s
